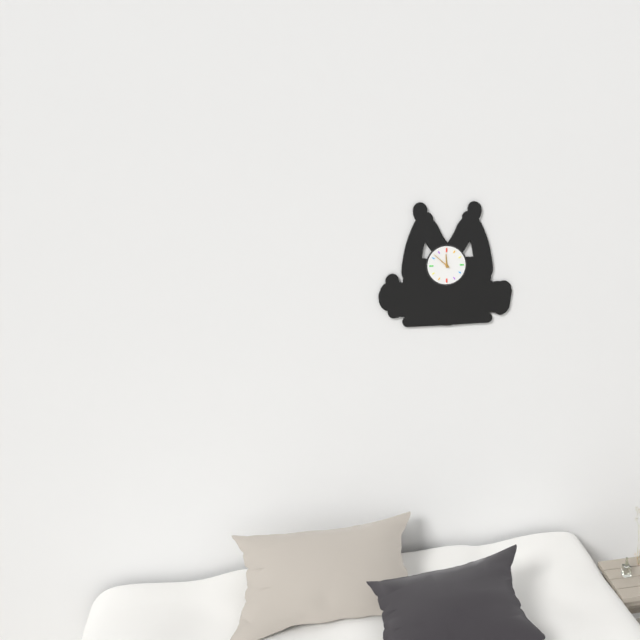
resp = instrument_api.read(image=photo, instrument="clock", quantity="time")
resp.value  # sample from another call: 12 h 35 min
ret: 11 h 52 min
